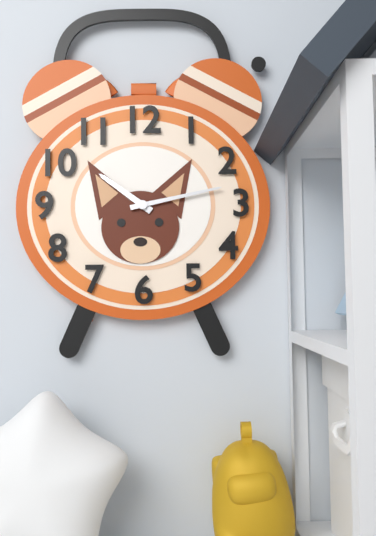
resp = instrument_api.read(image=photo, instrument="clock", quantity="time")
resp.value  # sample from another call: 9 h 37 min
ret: 10 h 13 min
